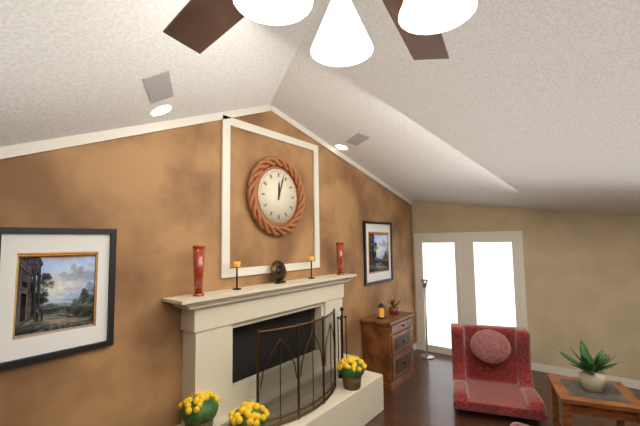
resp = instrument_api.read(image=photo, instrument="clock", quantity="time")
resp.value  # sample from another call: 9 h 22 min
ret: 12 h 03 min
